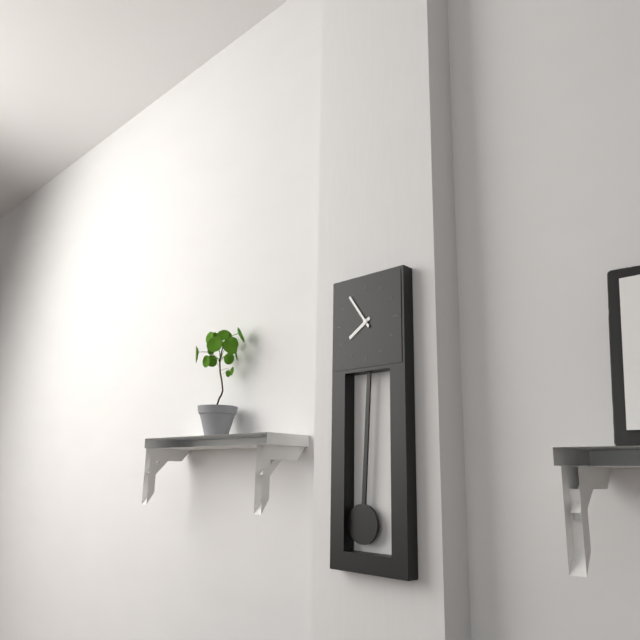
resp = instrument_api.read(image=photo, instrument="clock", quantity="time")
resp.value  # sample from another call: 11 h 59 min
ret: 7 h 54 min
